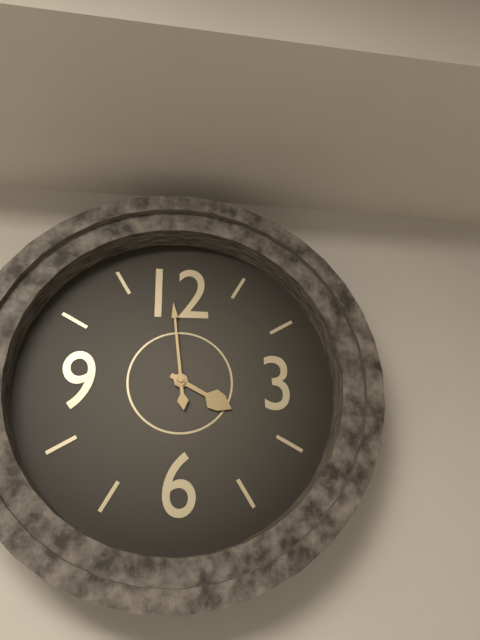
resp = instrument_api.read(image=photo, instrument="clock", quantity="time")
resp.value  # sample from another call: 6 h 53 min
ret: 3 h 59 min
